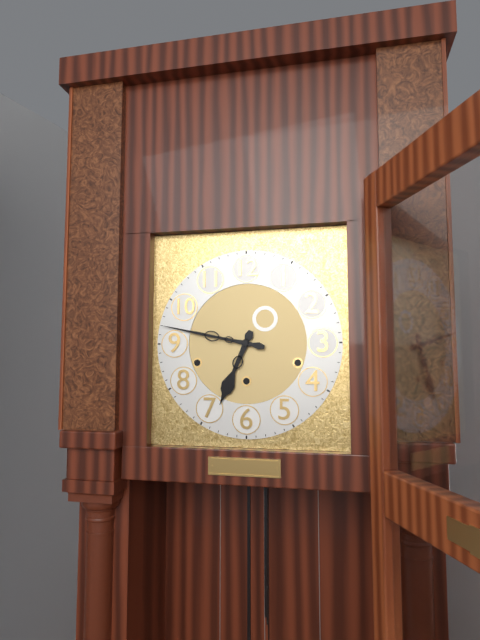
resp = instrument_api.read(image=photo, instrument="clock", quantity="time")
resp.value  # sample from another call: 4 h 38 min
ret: 6 h 47 min
